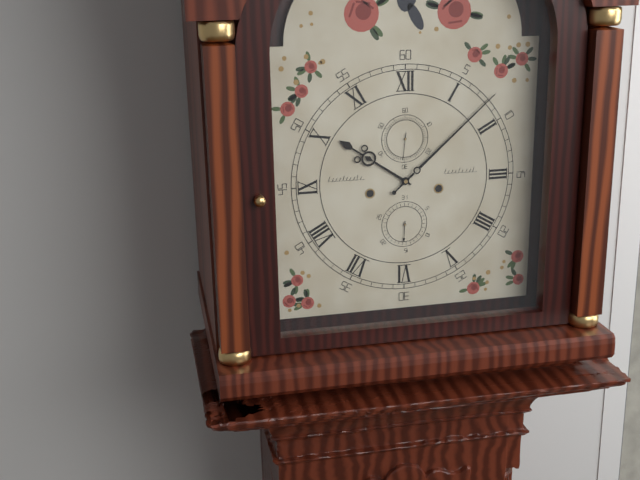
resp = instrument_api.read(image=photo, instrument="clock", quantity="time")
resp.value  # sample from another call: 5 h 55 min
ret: 10 h 08 min
